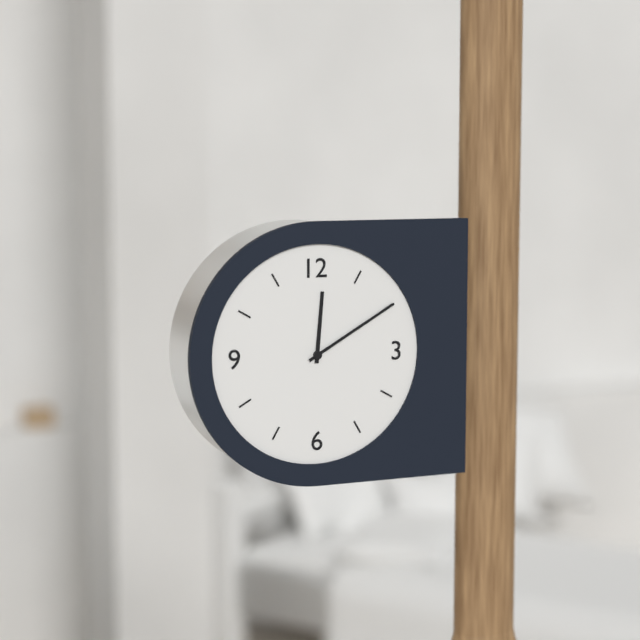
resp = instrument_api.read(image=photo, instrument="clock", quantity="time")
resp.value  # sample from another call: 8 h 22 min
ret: 12 h 10 min
